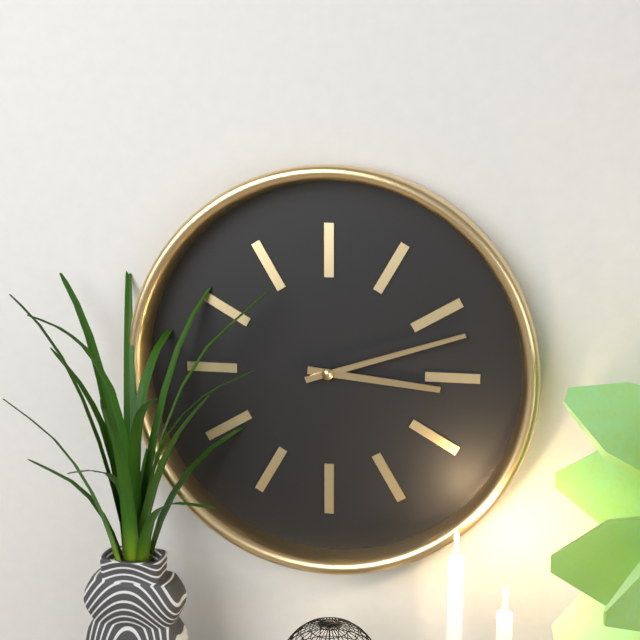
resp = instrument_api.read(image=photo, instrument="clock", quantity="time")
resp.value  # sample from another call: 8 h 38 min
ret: 3 h 12 min
